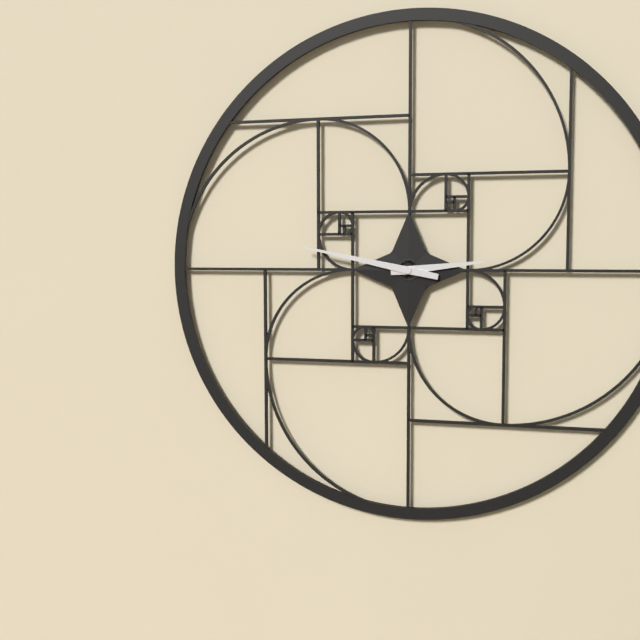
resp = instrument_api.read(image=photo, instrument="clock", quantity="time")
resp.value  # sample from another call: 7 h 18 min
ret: 2 h 47 min
